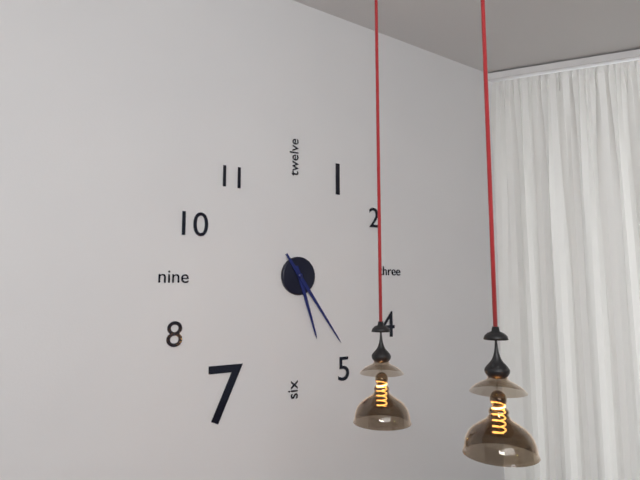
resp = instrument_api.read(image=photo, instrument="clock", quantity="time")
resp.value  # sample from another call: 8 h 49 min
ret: 5 h 24 min
